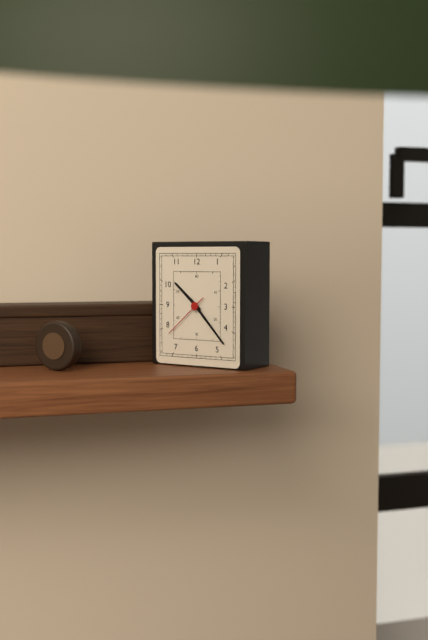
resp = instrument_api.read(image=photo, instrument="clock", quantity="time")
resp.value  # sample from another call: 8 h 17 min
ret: 10 h 23 min
